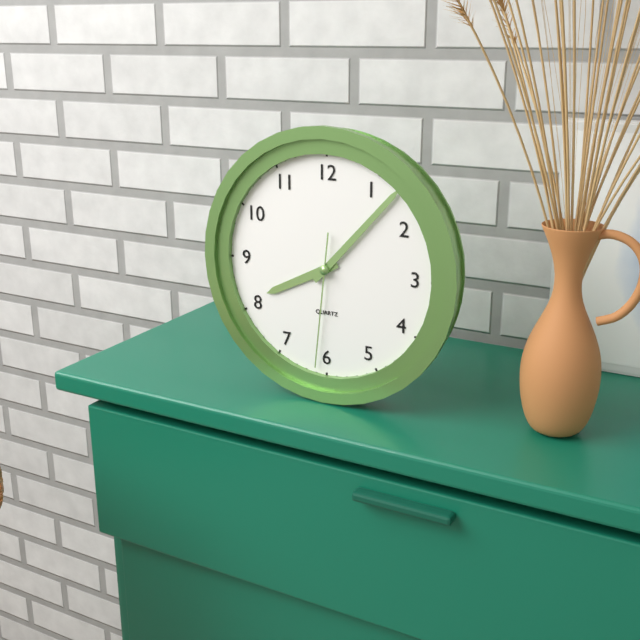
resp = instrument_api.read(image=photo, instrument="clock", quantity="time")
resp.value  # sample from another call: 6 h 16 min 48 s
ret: 8 h 07 min 31 s
